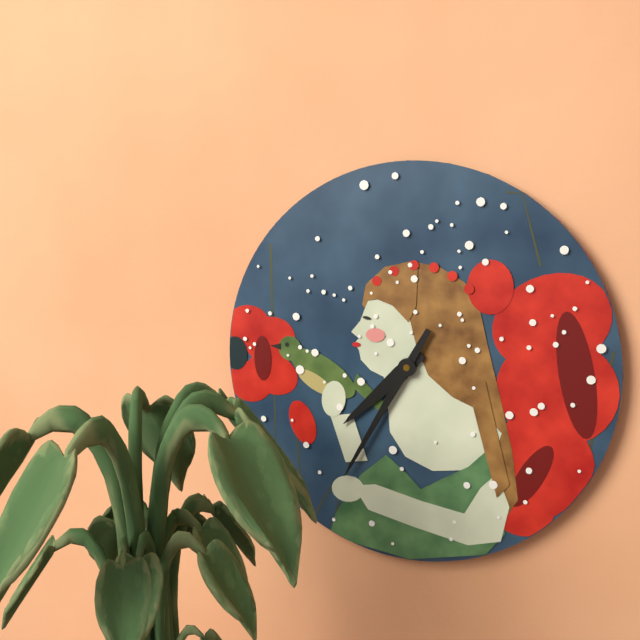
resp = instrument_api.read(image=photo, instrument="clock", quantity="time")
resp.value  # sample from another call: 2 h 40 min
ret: 7 h 35 min
